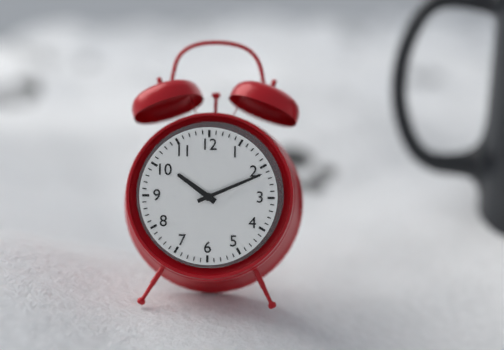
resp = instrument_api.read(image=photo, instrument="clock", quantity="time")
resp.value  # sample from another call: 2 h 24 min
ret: 10 h 11 min
